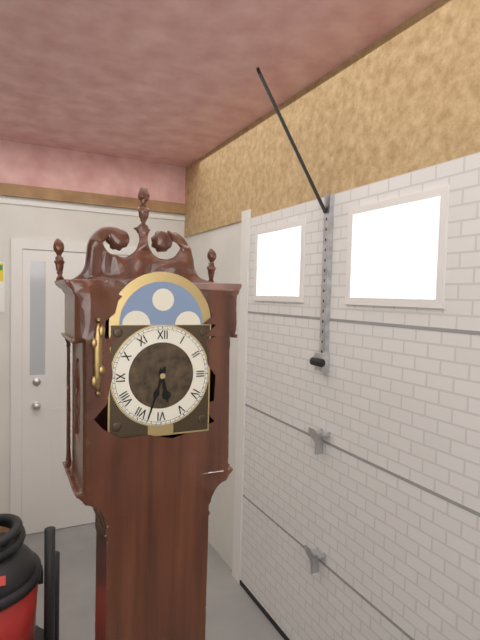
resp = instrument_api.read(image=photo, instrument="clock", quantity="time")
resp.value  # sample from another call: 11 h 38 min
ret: 5 h 33 min
